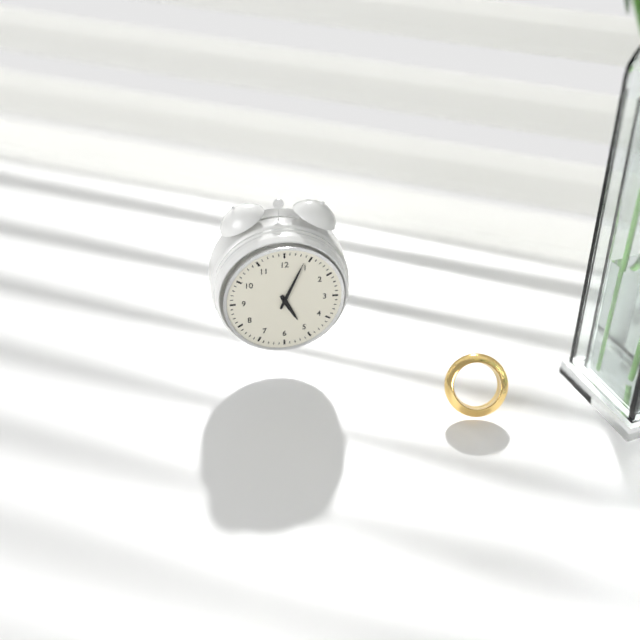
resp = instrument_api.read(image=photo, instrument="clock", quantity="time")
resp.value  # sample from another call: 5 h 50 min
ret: 5 h 04 min
